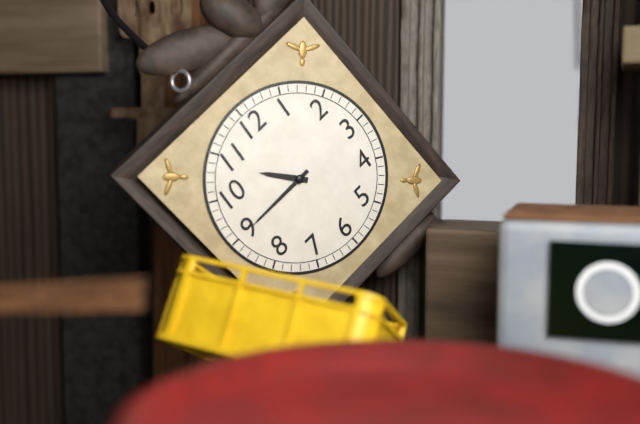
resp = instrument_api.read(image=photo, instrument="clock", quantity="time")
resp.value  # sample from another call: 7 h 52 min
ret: 10 h 45 min
